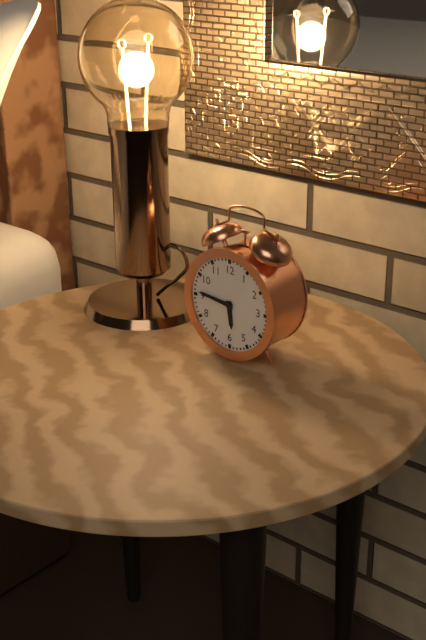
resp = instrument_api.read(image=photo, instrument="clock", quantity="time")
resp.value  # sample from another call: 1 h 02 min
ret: 5 h 46 min
